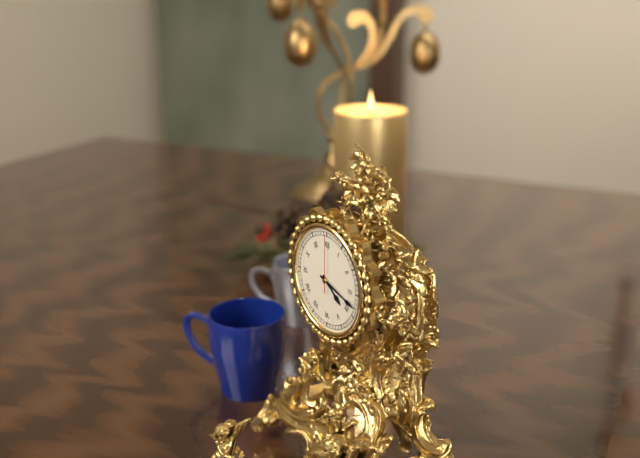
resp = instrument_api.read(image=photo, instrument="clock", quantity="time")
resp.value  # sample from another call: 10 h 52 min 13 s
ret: 4 h 18 min 00 s
